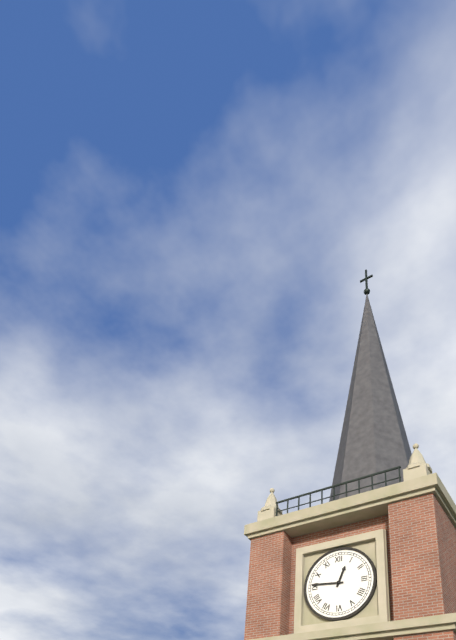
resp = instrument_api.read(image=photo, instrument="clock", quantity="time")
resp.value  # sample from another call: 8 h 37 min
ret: 12 h 46 min
